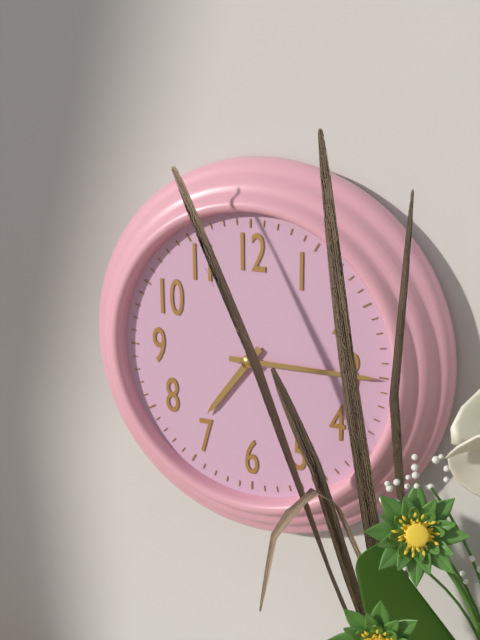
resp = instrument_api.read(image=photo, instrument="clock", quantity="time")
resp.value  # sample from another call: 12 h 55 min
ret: 7 h 15 min
